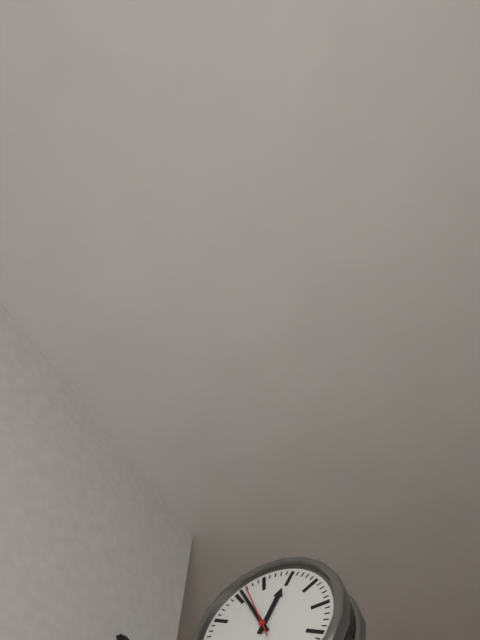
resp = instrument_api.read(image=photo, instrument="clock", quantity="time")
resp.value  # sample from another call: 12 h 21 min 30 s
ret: 12 h 56 min 57 s
